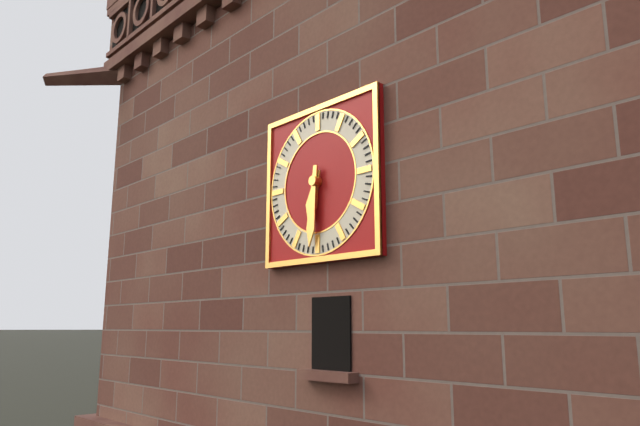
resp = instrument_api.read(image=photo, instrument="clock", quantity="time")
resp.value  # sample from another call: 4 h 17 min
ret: 6 h 31 min
